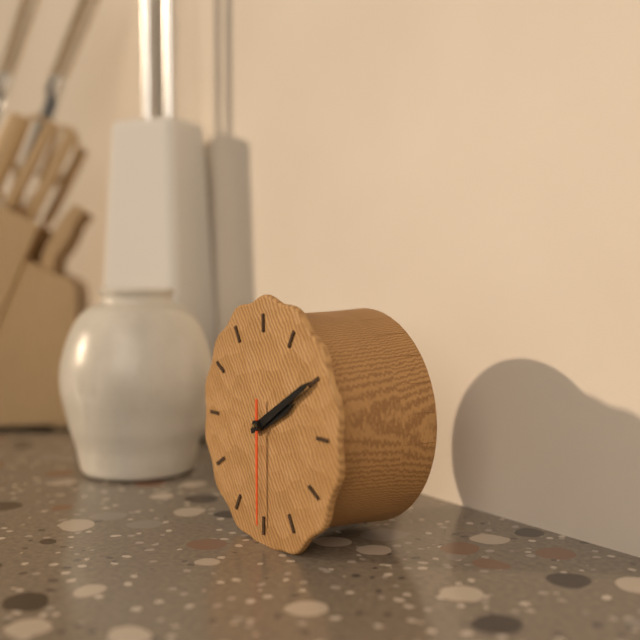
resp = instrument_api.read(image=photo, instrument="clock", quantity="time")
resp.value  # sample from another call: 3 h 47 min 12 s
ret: 2 h 10 min 30 s
